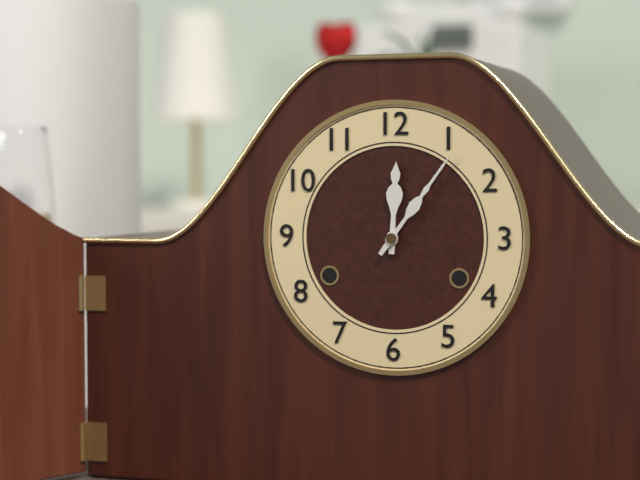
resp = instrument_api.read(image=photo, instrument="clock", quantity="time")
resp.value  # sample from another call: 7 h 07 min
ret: 12 h 06 min
